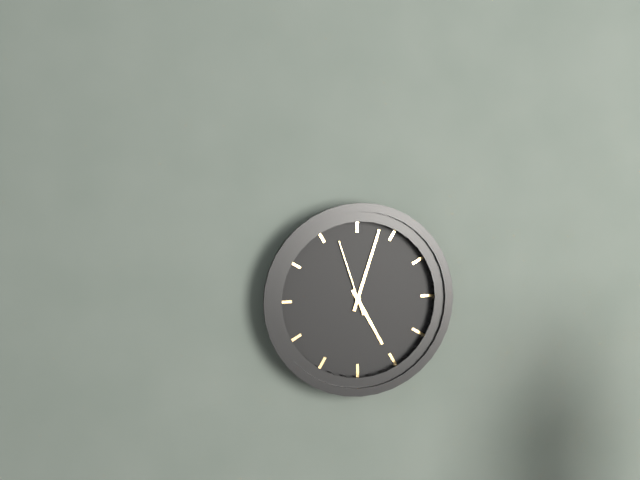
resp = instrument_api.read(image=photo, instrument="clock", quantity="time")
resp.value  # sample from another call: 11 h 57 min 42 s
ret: 5 h 03 min 57 s
